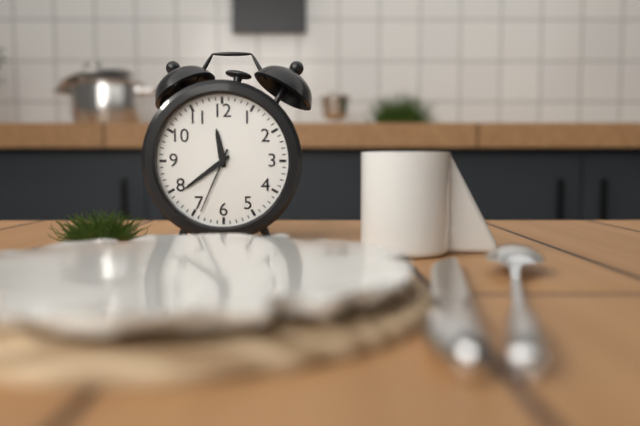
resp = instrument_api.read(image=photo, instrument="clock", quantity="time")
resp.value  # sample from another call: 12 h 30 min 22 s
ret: 11 h 39 min 34 s
